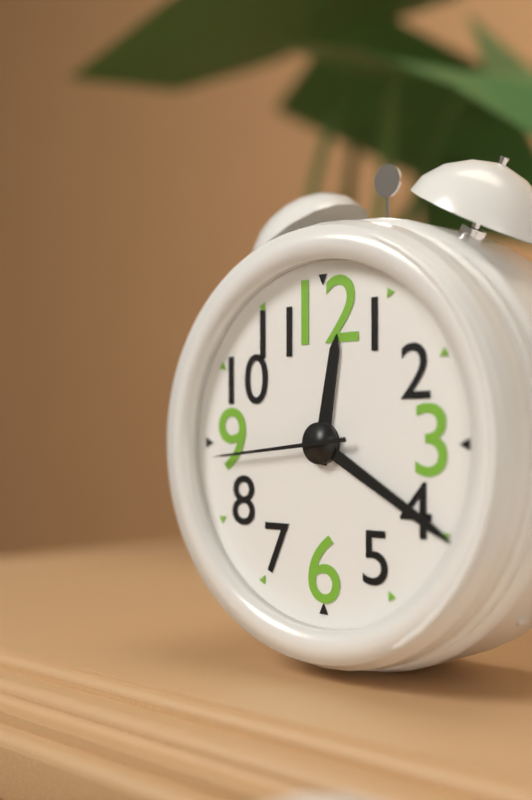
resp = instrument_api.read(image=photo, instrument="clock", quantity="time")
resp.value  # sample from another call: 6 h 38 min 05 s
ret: 12 h 20 min 44 s
